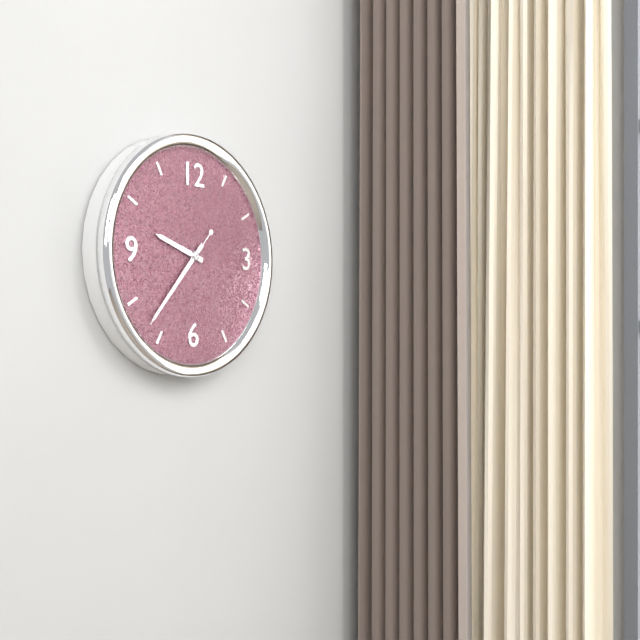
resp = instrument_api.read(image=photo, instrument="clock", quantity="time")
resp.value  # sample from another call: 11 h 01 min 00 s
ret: 9 h 37 min 37 s
